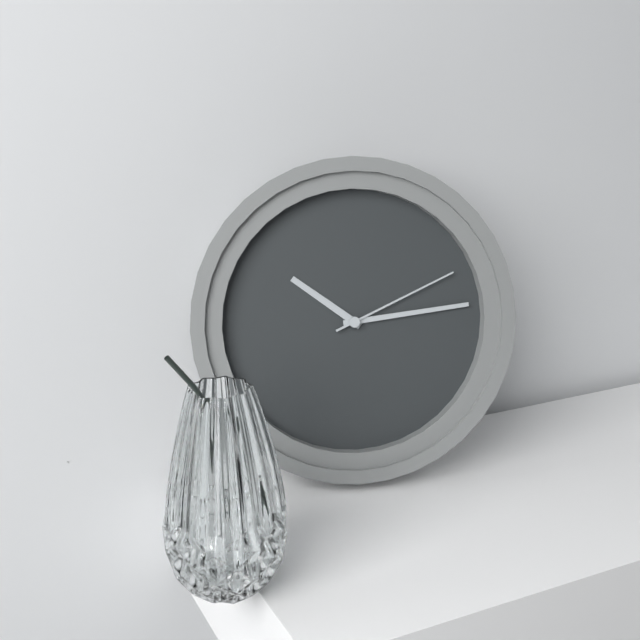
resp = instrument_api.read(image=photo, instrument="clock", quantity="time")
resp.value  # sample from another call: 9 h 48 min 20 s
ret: 10 h 14 min 11 s
